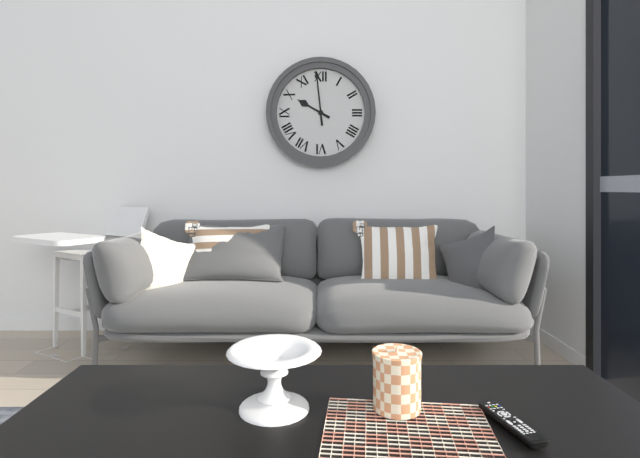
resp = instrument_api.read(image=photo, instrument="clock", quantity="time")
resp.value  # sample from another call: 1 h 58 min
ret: 9 h 59 min
